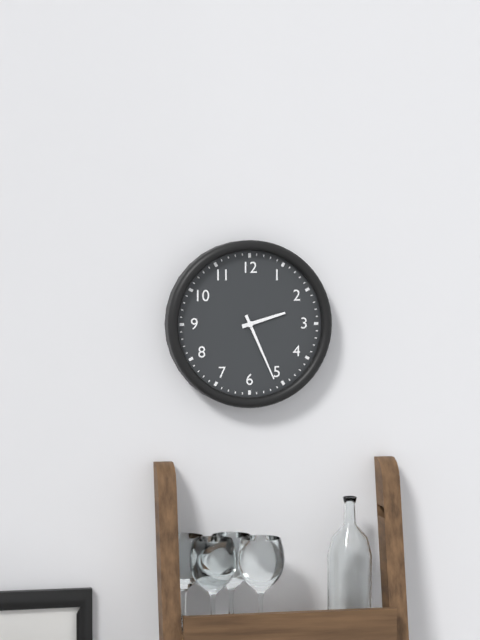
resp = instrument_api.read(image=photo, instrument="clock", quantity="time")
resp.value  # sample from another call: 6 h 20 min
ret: 2 h 26 min
